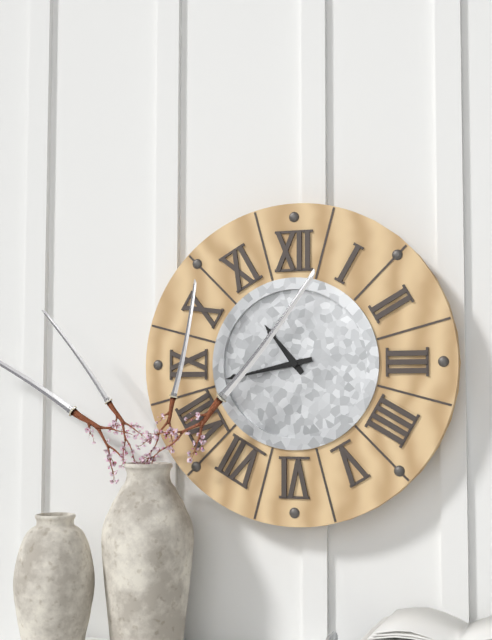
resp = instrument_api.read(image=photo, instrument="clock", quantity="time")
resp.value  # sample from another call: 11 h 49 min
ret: 10 h 43 min
